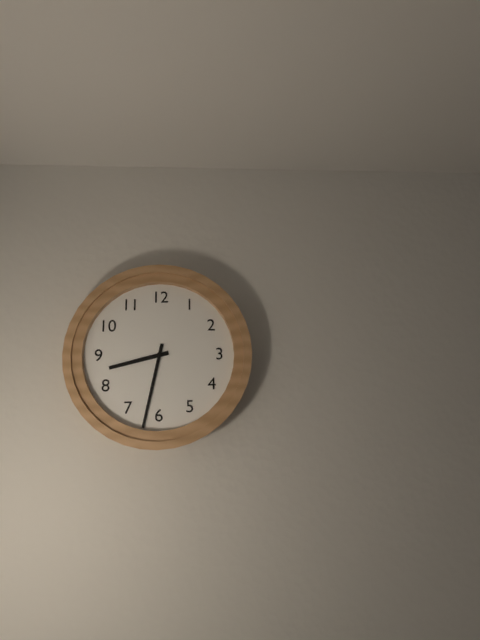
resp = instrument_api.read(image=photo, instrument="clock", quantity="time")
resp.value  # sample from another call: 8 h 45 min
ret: 8 h 32 min
